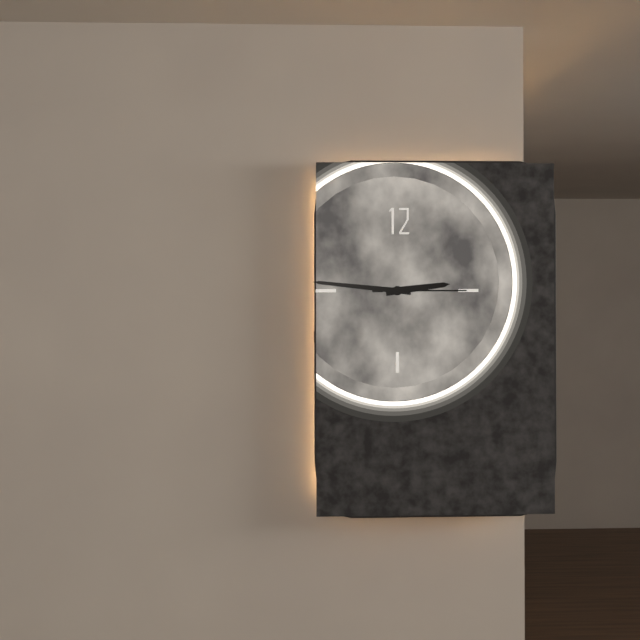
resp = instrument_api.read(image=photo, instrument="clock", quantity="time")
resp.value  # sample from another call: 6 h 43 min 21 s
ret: 2 h 46 min 15 s
